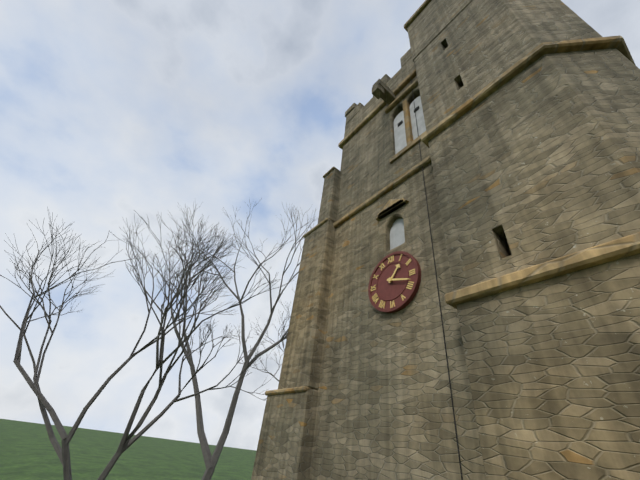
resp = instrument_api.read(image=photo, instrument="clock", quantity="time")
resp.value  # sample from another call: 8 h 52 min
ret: 1 h 18 min
